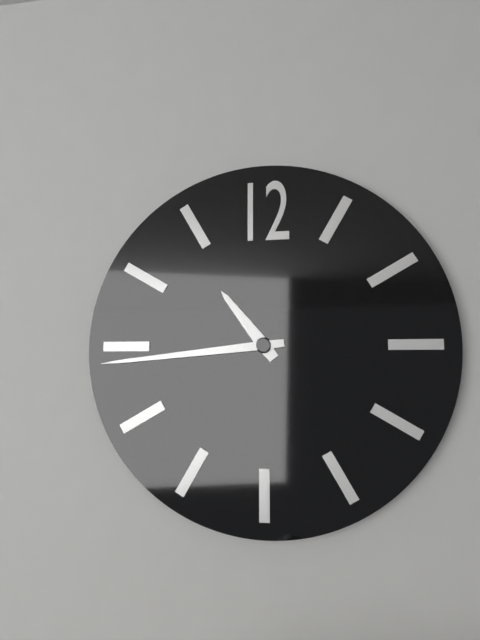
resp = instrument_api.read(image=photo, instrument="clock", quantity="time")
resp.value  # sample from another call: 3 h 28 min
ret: 10 h 44 min
